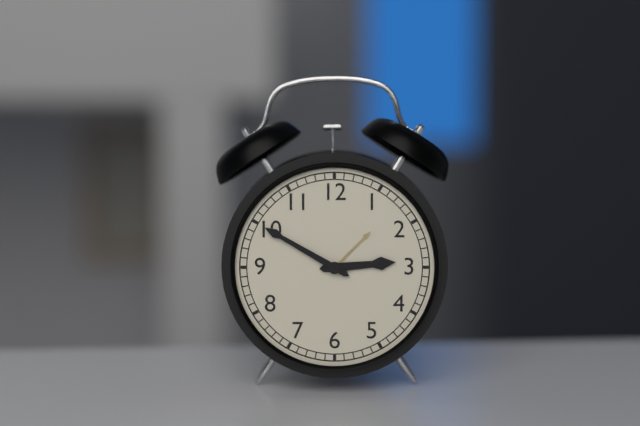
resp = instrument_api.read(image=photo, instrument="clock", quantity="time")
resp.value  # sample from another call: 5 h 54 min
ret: 2 h 50 min
